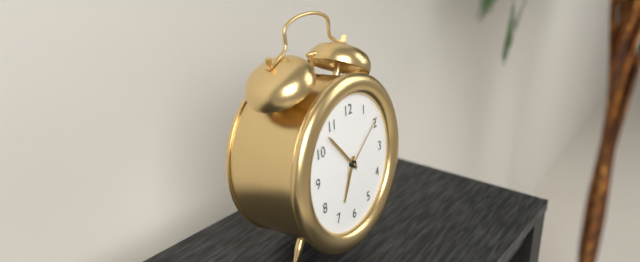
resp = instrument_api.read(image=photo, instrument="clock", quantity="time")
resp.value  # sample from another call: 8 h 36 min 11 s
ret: 6 h 53 min 09 s
